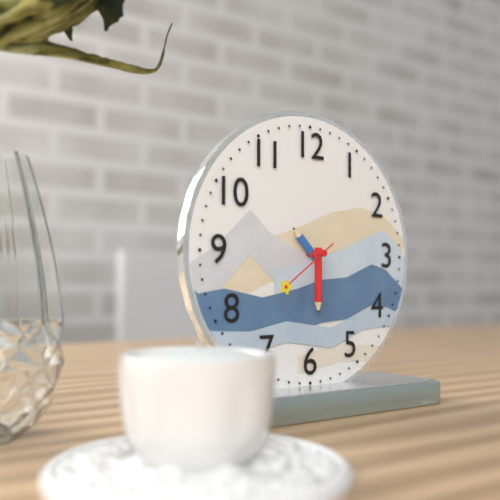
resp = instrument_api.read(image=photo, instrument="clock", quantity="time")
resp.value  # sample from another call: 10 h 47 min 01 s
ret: 10 h 30 min 39 s
